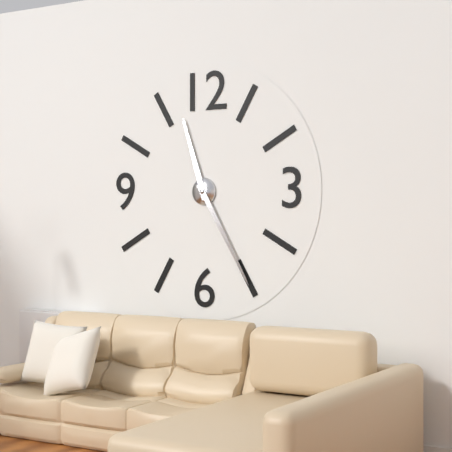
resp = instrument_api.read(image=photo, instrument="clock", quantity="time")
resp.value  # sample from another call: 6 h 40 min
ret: 11 h 25 min
